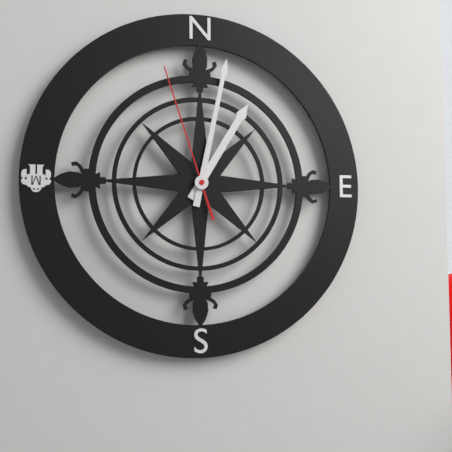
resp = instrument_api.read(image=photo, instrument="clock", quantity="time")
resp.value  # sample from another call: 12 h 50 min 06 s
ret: 1 h 02 min 57 s
